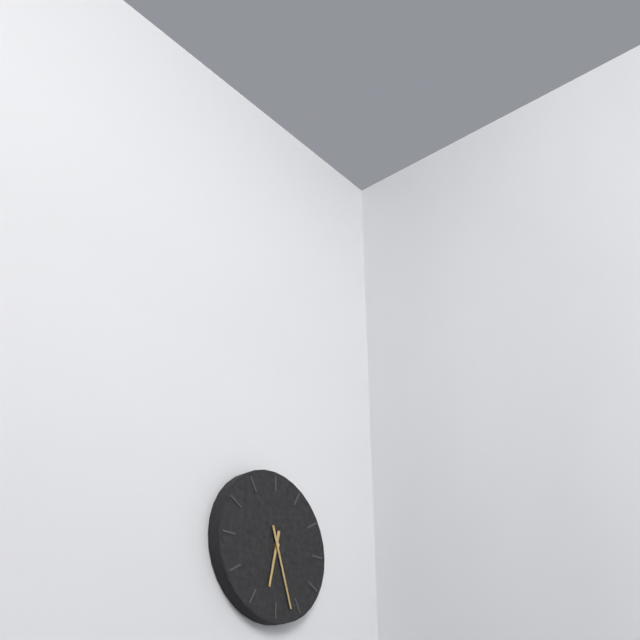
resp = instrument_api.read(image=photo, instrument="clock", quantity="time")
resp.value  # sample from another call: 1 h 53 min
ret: 6 h 27 min
